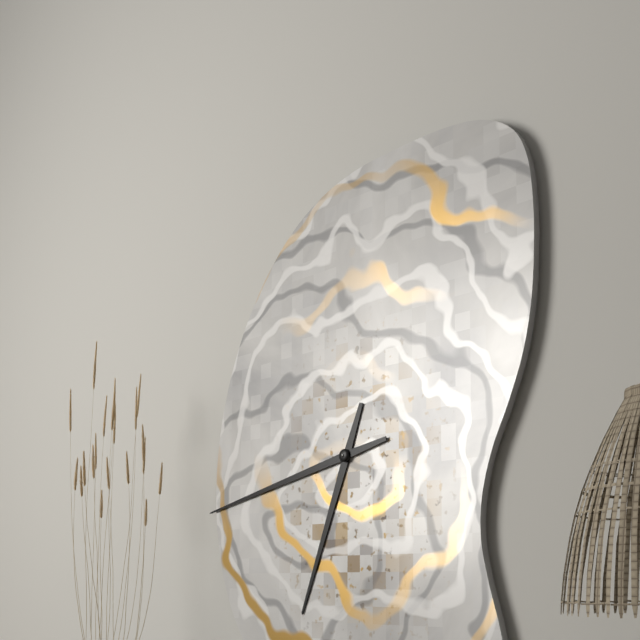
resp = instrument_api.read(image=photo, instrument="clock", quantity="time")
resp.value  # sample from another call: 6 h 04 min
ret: 6 h 43 min
